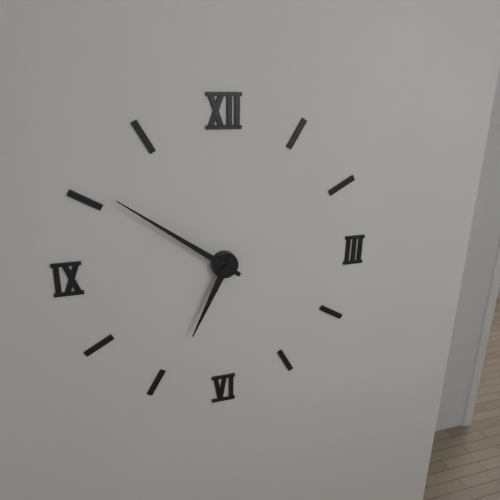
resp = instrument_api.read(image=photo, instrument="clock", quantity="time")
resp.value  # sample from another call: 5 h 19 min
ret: 6 h 51 min
